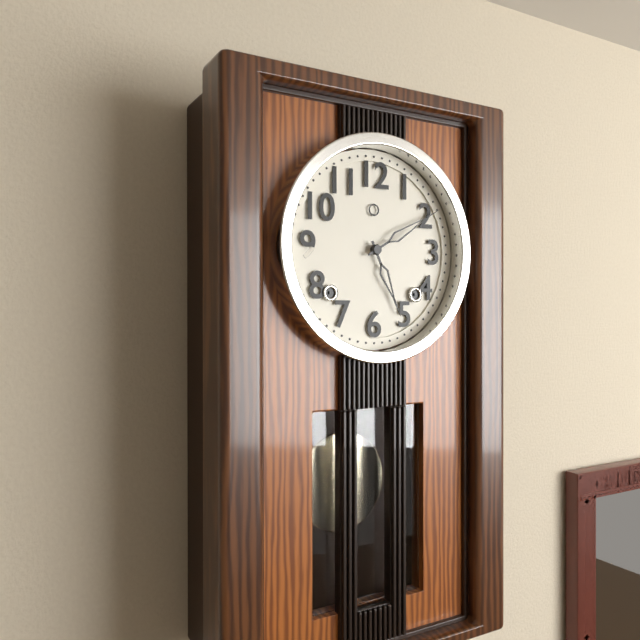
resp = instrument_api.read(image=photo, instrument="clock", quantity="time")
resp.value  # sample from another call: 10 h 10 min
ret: 5 h 10 min
